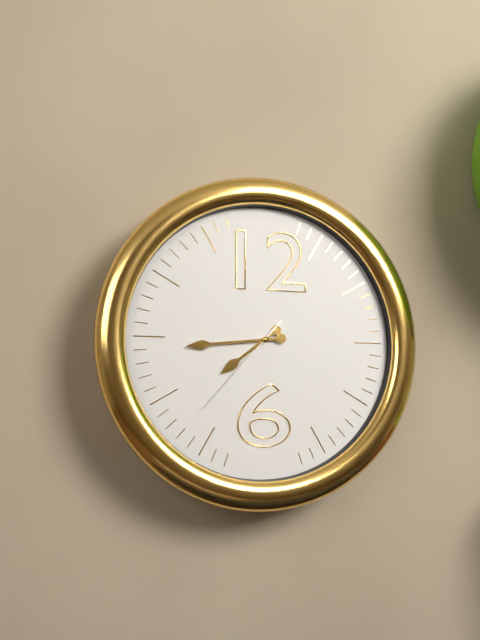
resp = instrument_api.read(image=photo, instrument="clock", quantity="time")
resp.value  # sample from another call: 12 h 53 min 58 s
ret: 7 h 44 min 37 s
